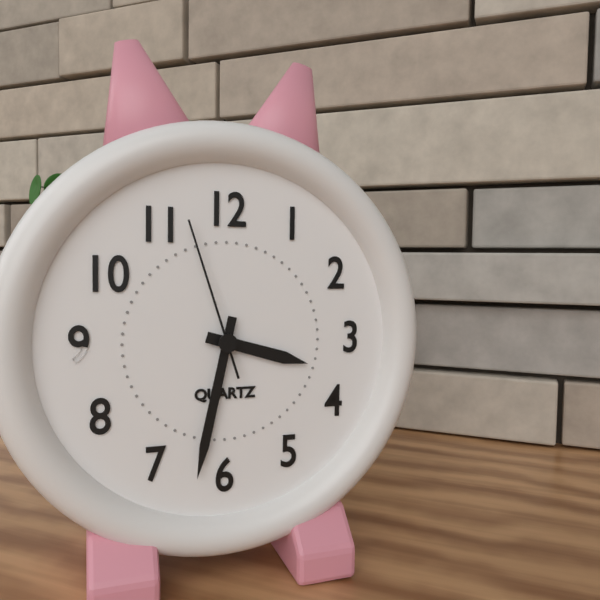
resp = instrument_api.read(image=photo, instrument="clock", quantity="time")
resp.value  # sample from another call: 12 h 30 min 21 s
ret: 3 h 32 min 57 s
